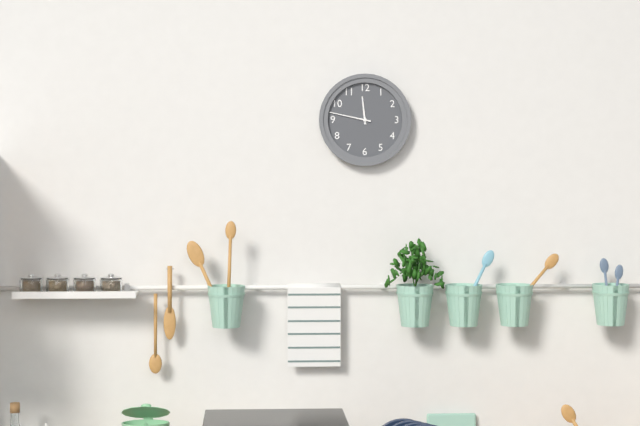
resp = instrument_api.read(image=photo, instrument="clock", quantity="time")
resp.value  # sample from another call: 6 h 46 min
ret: 11 h 47 min
